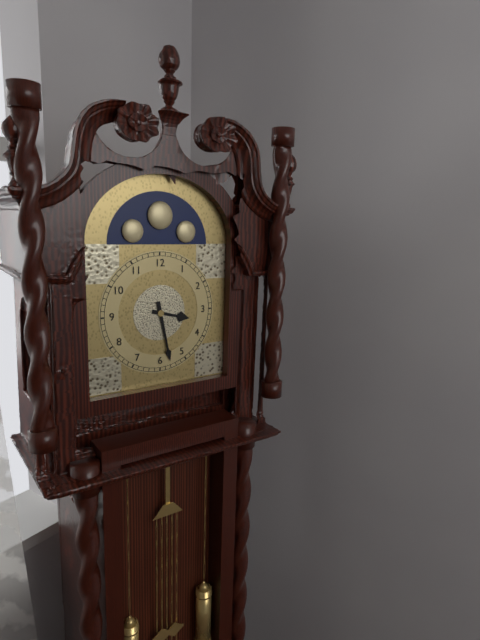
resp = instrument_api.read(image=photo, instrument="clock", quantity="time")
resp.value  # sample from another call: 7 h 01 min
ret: 3 h 28 min
